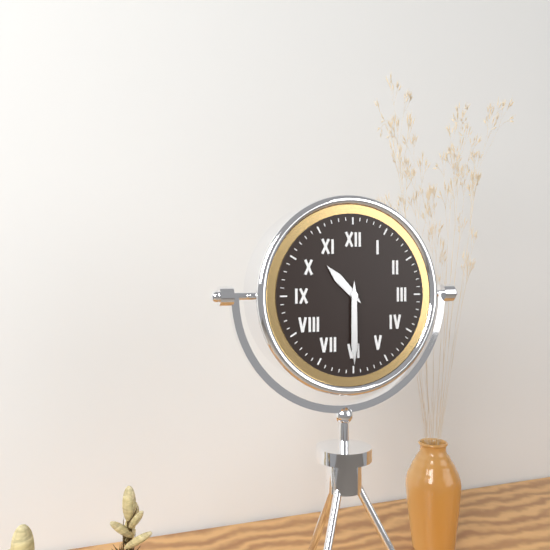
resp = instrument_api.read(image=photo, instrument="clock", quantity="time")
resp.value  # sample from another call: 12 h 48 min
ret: 10 h 30 min
